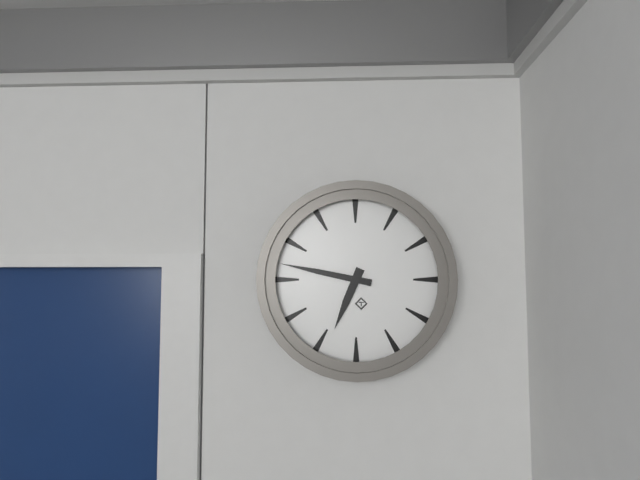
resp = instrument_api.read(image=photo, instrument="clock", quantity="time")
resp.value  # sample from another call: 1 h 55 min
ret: 6 h 47 min
